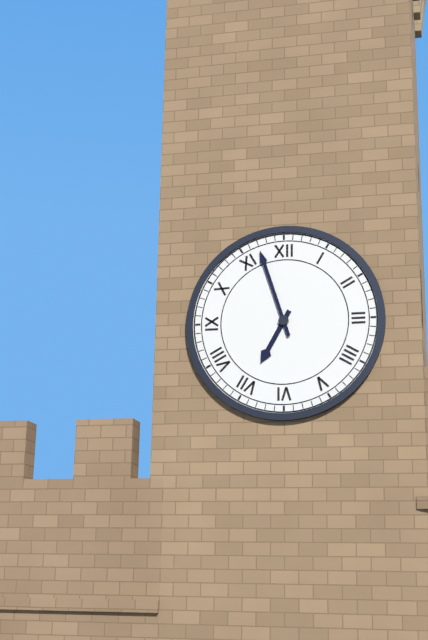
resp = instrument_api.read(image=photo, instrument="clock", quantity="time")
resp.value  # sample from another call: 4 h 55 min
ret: 6 h 57 min
